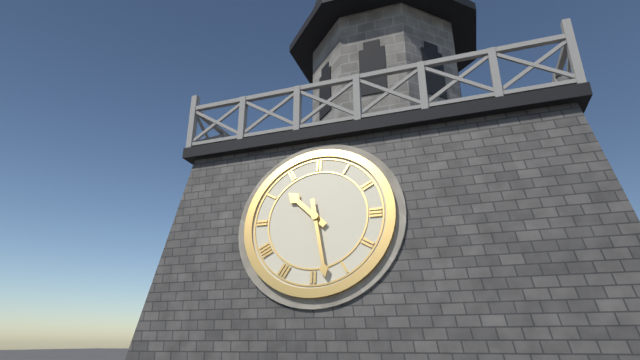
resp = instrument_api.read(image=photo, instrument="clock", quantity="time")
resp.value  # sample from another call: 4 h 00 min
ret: 10 h 28 min
